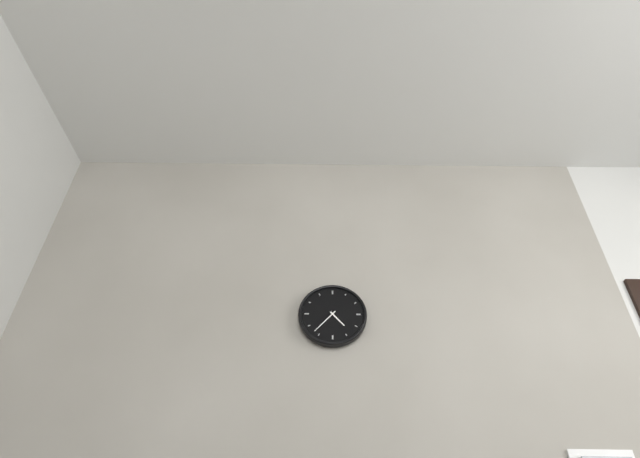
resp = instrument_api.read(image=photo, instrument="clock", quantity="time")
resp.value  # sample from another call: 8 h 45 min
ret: 4 h 37 min
